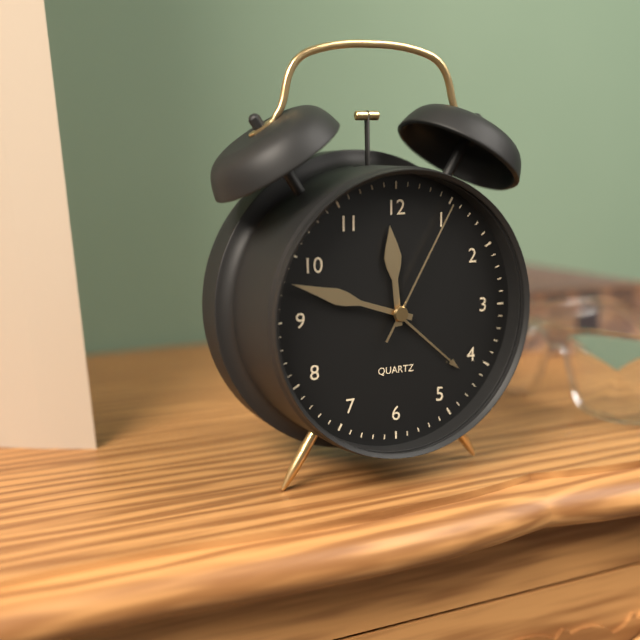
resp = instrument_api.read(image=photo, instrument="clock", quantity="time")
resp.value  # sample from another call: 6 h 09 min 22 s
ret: 11 h 48 min 05 s
